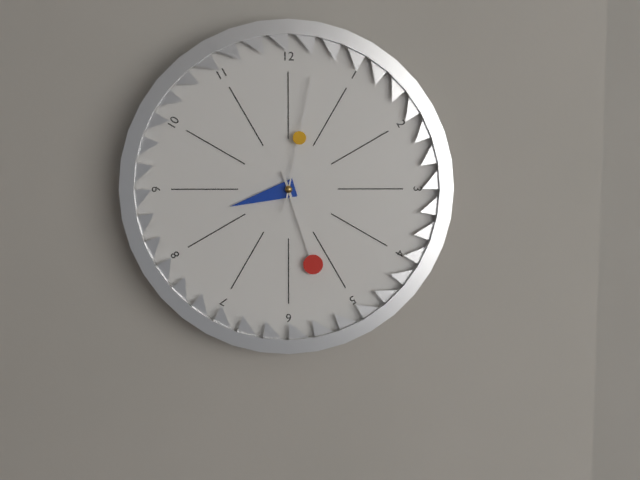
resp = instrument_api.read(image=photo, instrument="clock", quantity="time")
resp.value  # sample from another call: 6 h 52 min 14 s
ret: 8 h 27 min 02 s
